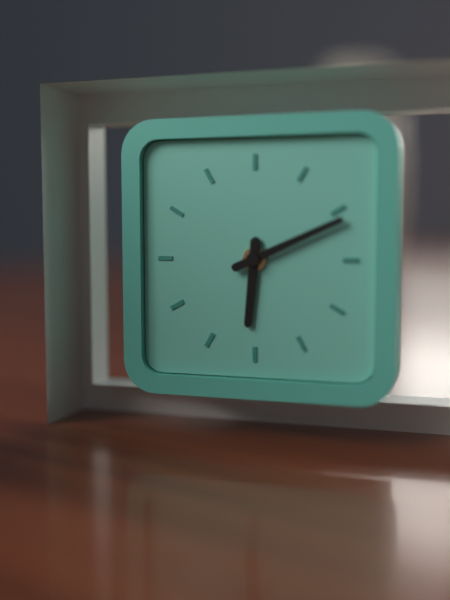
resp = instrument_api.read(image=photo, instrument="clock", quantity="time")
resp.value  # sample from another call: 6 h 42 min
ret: 6 h 11 min
